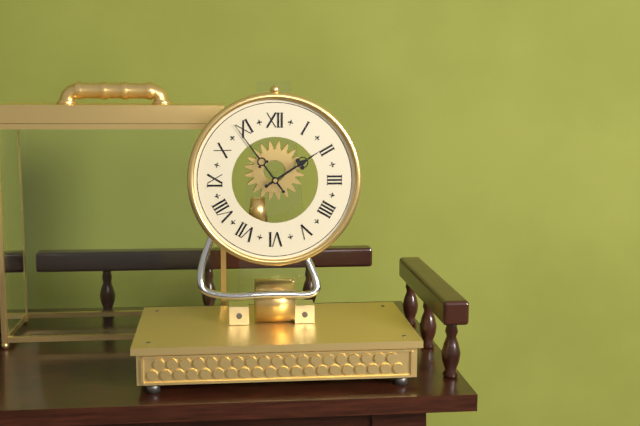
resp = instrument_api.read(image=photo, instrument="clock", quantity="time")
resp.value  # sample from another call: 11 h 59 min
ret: 1 h 54 min
